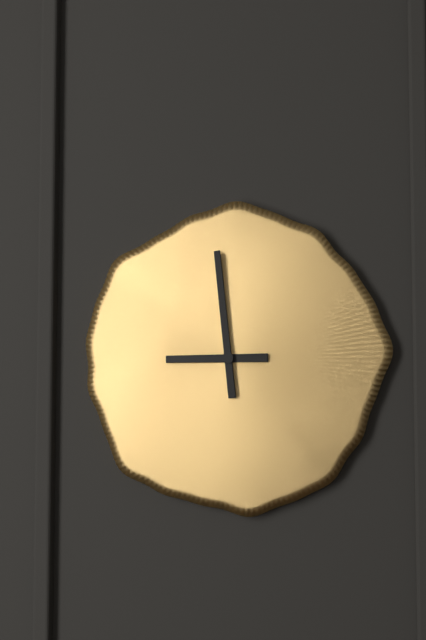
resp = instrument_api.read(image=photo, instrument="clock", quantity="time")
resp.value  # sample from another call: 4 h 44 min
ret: 8 h 59 min
